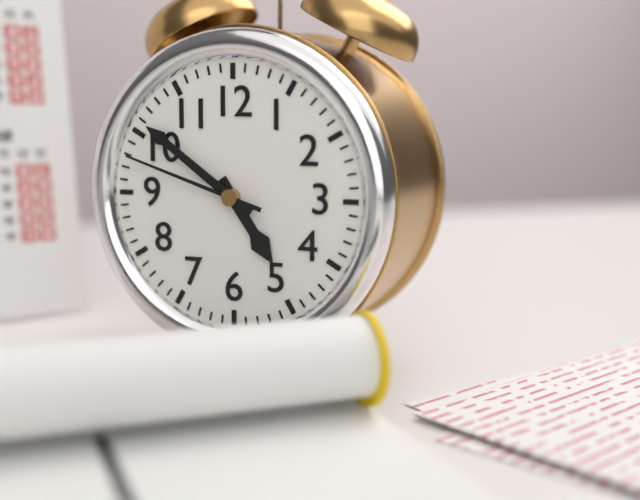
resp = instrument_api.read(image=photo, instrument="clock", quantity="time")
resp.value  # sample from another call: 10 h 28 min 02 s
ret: 4 h 51 min 48 s
